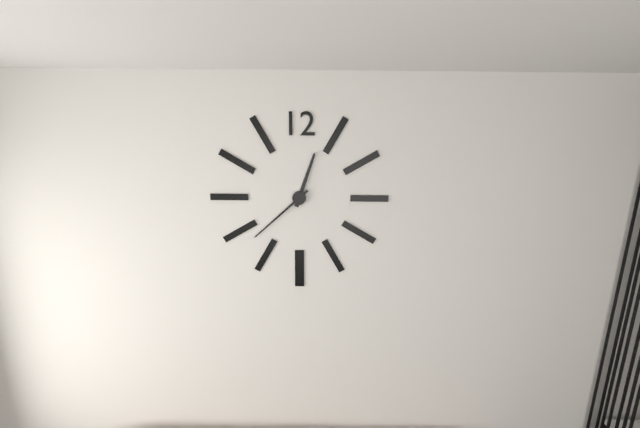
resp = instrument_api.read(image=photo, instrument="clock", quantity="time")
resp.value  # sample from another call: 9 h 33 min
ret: 12 h 38 min
